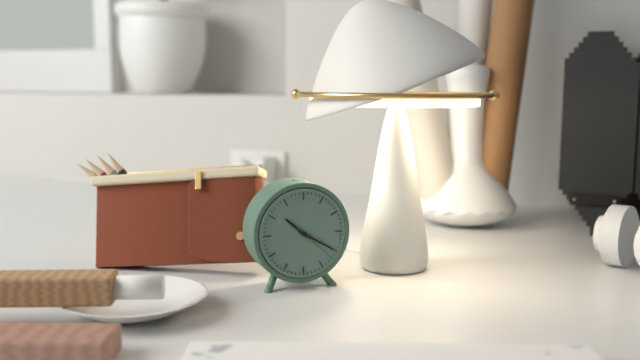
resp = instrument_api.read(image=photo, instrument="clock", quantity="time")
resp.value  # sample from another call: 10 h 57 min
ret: 10 h 20 min
